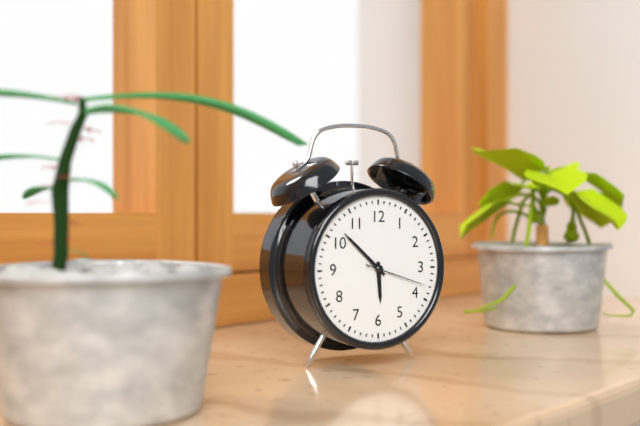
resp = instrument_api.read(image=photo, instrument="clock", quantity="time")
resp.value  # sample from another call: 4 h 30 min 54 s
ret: 5 h 52 min 18 s
